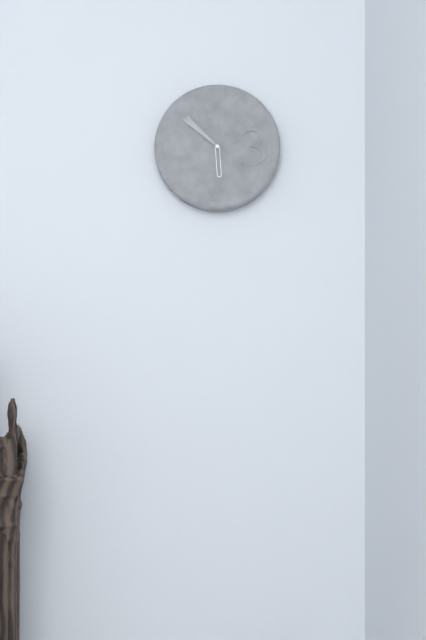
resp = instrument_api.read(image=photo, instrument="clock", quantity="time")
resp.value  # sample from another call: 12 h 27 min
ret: 5 h 52 min
